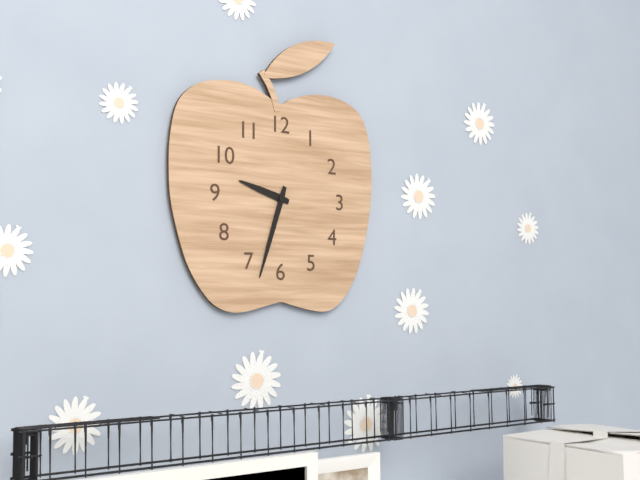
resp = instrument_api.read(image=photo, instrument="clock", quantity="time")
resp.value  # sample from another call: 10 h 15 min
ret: 9 h 33 min
